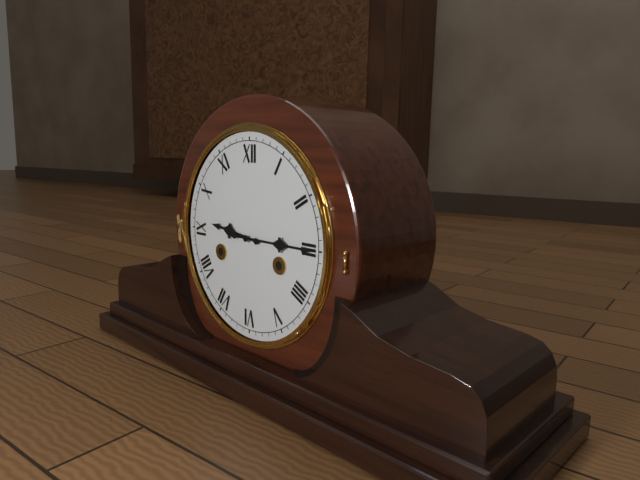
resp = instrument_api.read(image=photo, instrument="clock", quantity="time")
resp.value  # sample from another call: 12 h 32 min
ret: 9 h 15 min
